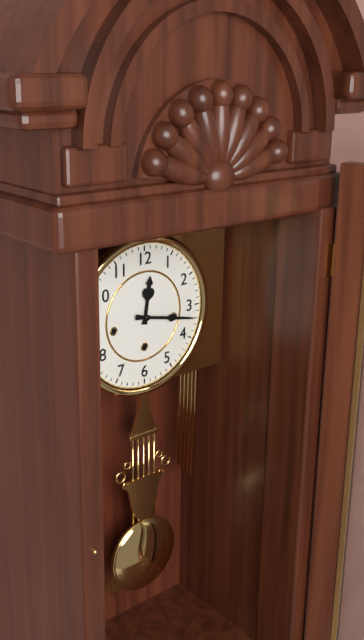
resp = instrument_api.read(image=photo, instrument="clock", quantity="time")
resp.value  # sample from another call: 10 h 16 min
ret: 12 h 17 min
